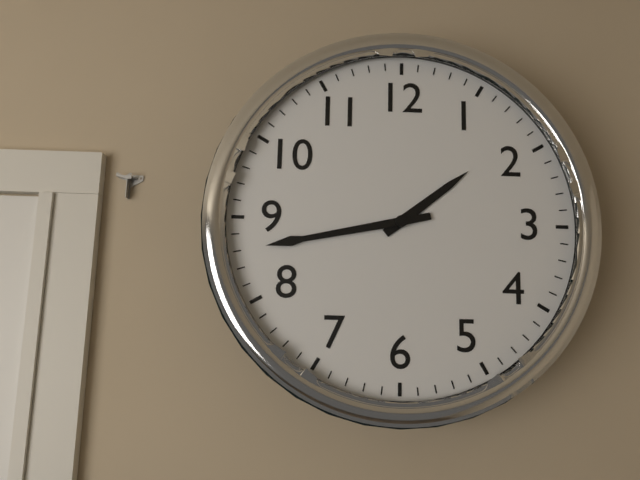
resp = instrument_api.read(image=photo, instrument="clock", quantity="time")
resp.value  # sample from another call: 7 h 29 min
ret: 1 h 43 min
